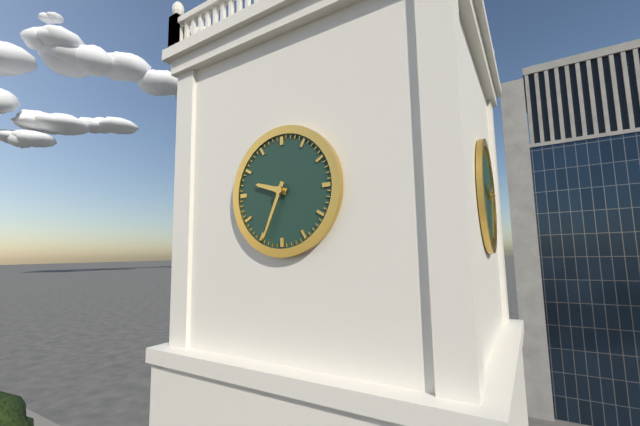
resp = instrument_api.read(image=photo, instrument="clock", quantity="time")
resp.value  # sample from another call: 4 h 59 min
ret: 9 h 34 min
